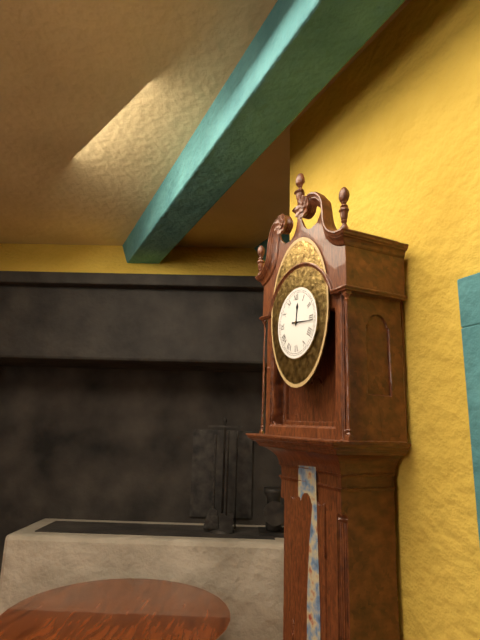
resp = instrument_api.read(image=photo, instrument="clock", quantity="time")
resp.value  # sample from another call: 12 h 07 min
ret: 12 h 16 min
